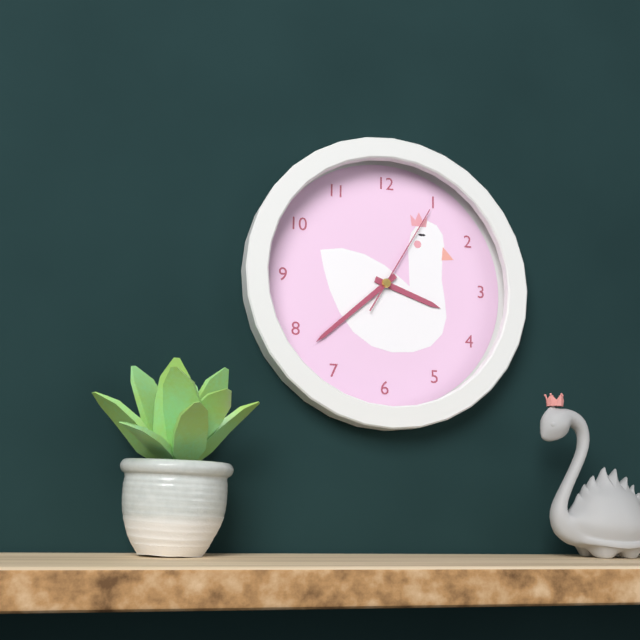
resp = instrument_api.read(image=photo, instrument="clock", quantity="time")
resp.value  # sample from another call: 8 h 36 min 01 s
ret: 3 h 38 min 05 s
